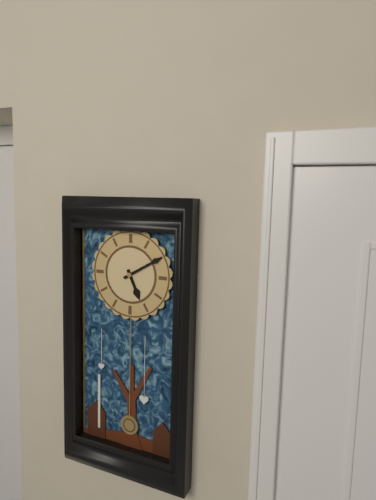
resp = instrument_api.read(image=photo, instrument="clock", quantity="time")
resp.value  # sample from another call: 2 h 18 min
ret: 5 h 10 min
